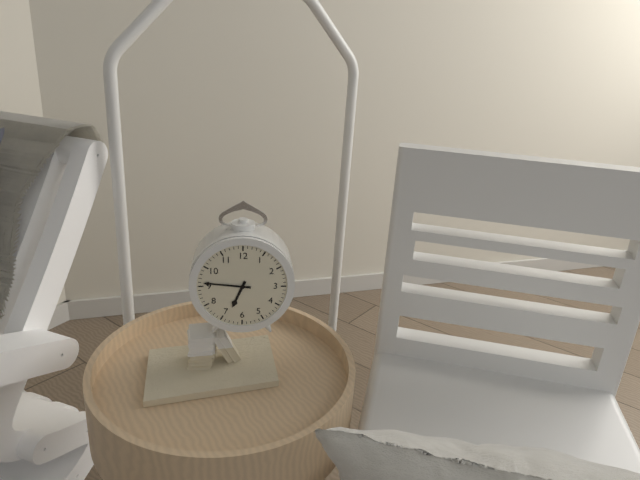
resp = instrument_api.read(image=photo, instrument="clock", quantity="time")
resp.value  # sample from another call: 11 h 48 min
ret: 6 h 46 min
